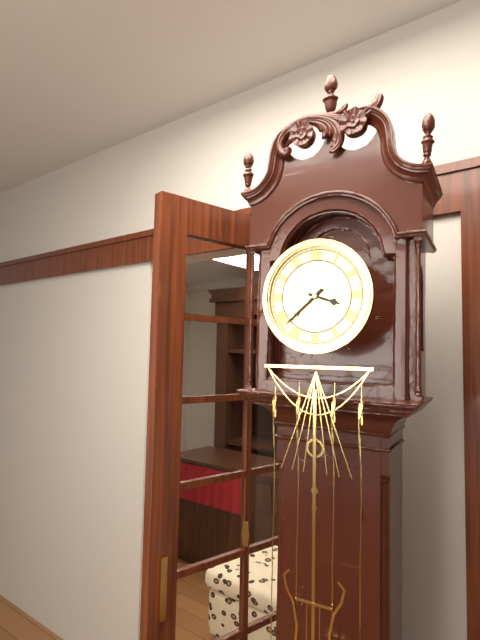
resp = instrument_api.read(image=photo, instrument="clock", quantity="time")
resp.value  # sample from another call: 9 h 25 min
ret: 3 h 38 min
